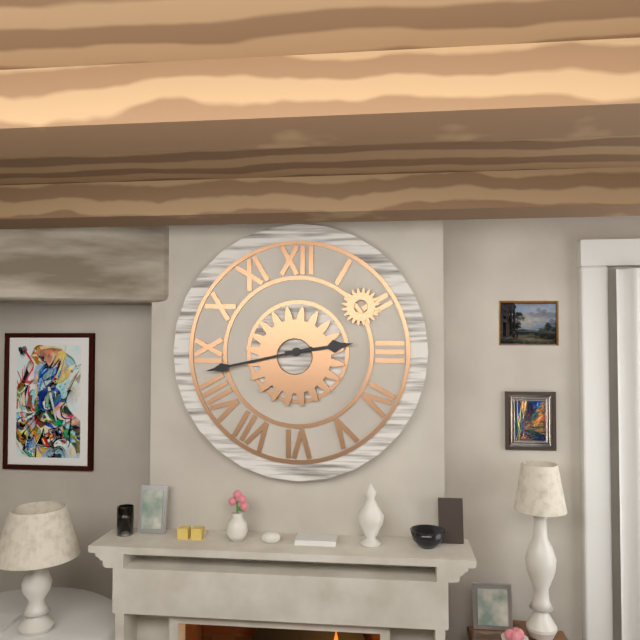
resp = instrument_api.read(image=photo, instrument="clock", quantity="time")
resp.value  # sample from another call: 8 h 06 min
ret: 2 h 43 min
